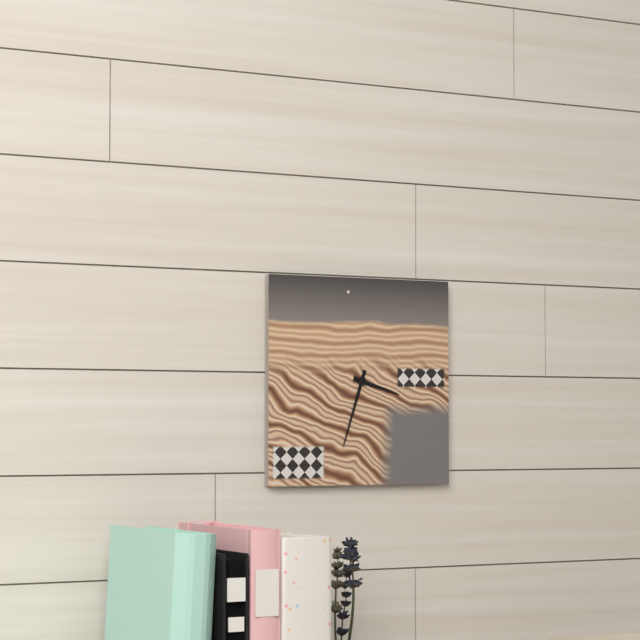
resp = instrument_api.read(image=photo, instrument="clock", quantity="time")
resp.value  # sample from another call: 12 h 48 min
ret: 3 h 33 min
